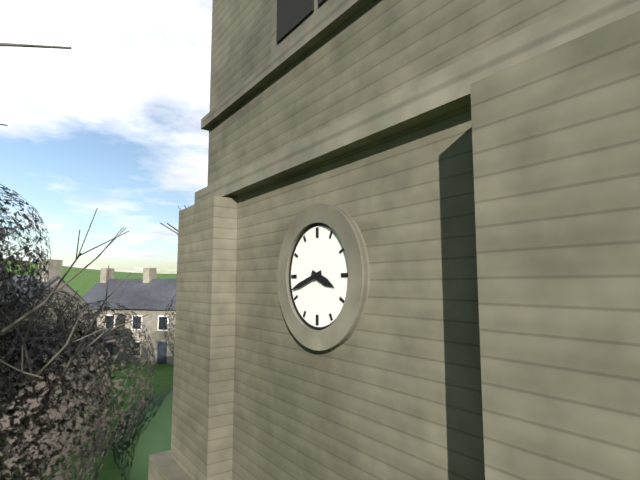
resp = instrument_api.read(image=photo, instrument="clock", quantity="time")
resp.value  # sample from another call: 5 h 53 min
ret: 3 h 42 min
